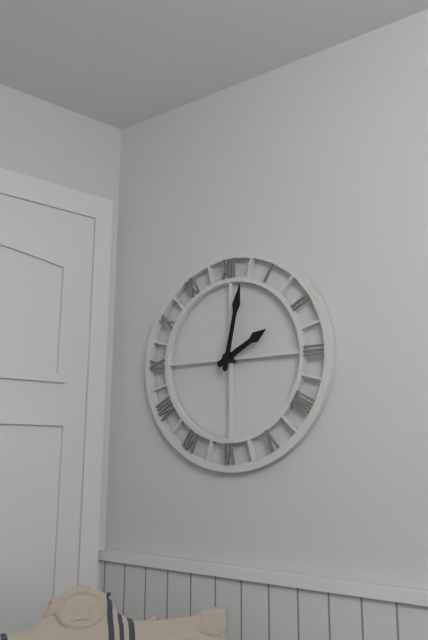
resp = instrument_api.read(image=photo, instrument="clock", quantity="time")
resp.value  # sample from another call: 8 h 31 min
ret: 2 h 02 min
